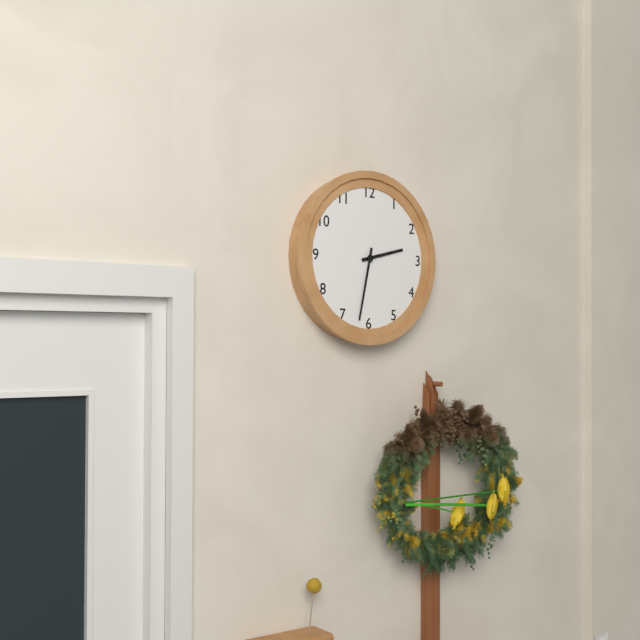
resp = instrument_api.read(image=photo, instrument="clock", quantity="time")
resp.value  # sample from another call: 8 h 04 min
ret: 2 h 32 min
